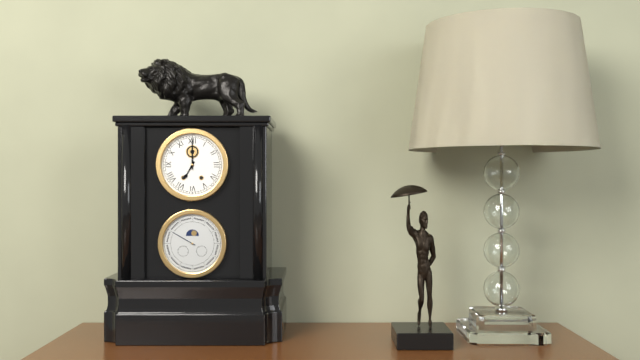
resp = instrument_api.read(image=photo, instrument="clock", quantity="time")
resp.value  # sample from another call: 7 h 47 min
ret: 7 h 00 min
